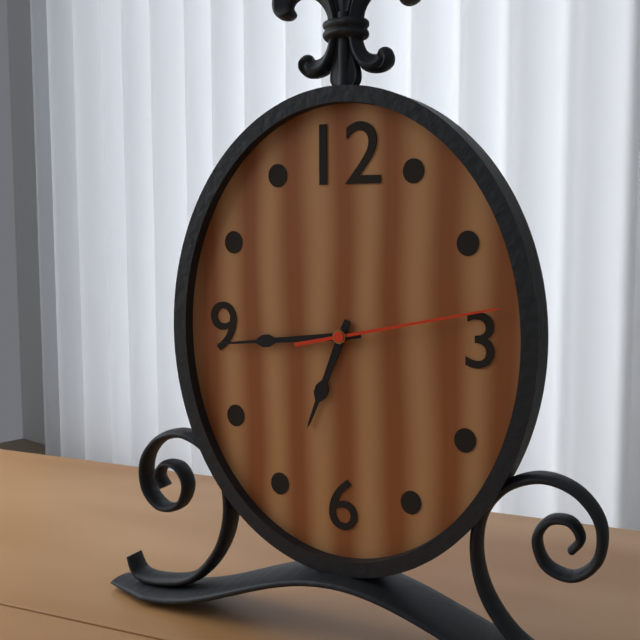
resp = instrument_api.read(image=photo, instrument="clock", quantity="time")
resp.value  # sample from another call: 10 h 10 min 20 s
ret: 6 h 44 min 13 s
